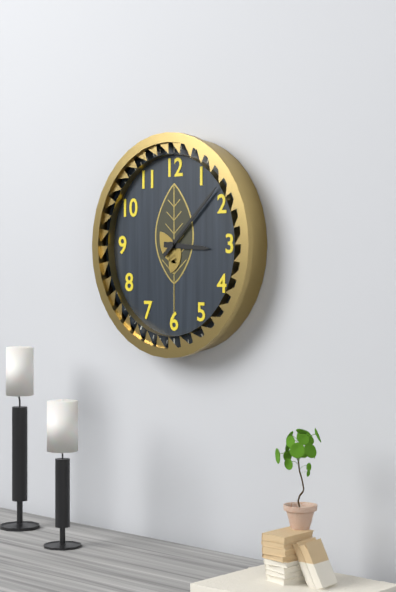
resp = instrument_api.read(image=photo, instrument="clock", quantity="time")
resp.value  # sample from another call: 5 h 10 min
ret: 3 h 08 min
